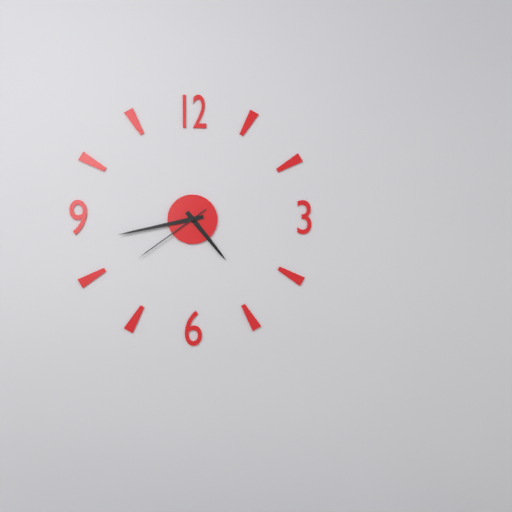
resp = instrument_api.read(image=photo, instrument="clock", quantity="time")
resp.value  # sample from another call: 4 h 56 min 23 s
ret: 4 h 43 min 39 s
